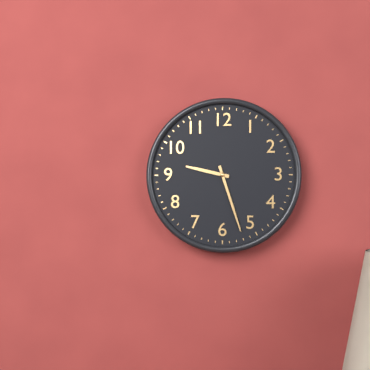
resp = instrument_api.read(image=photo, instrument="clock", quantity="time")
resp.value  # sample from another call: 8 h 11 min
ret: 9 h 27 min
